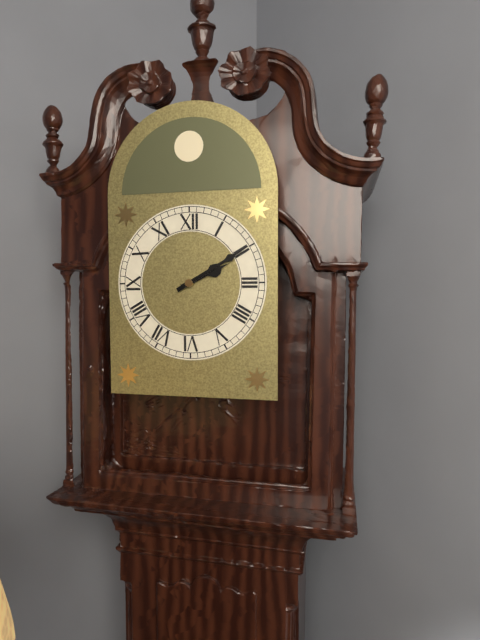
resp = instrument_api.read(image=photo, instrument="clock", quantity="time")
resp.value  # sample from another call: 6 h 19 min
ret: 2 h 10 min
